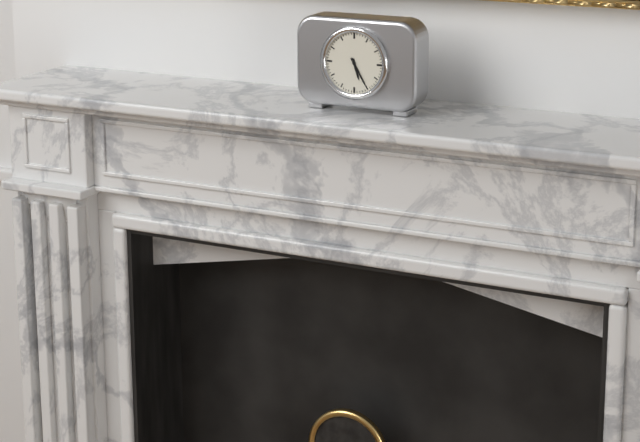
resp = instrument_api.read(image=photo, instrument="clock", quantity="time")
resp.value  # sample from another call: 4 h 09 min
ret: 5 h 25 min
